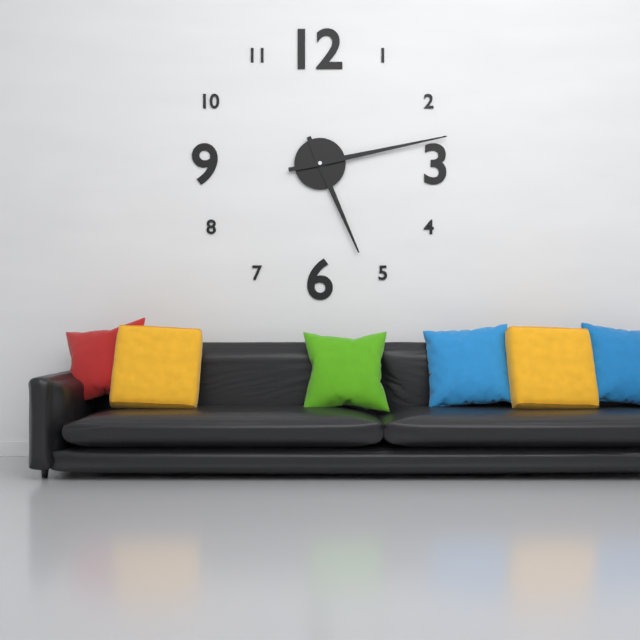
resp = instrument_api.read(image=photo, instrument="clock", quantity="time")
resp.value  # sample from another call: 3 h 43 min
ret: 5 h 13 min
